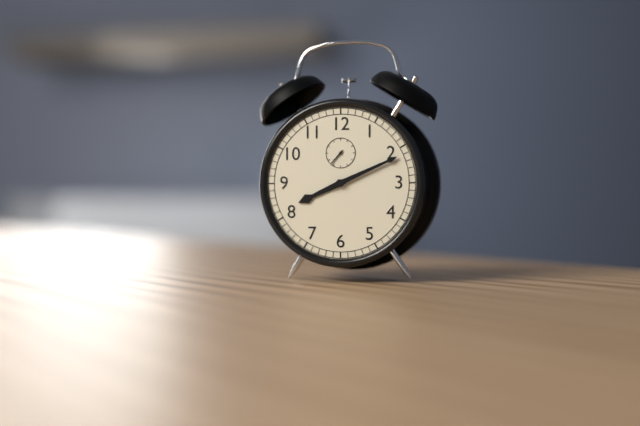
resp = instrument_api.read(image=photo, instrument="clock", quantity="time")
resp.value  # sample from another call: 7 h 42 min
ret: 8 h 11 min
